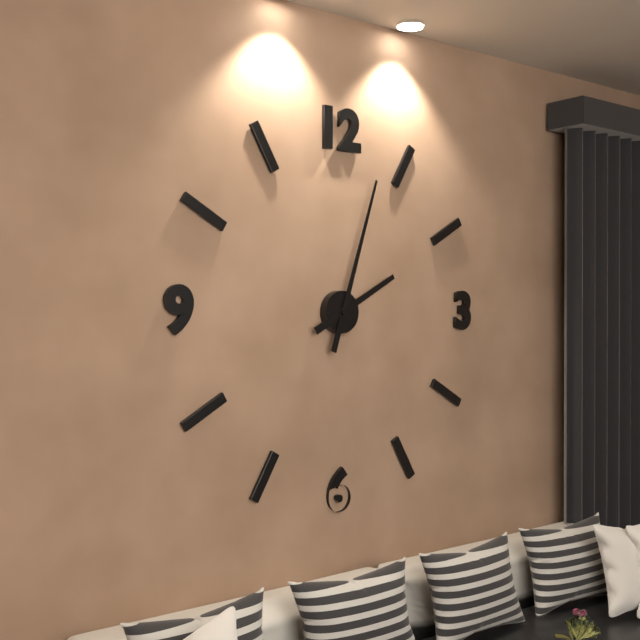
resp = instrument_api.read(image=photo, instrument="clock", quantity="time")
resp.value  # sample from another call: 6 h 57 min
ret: 2 h 03 min
